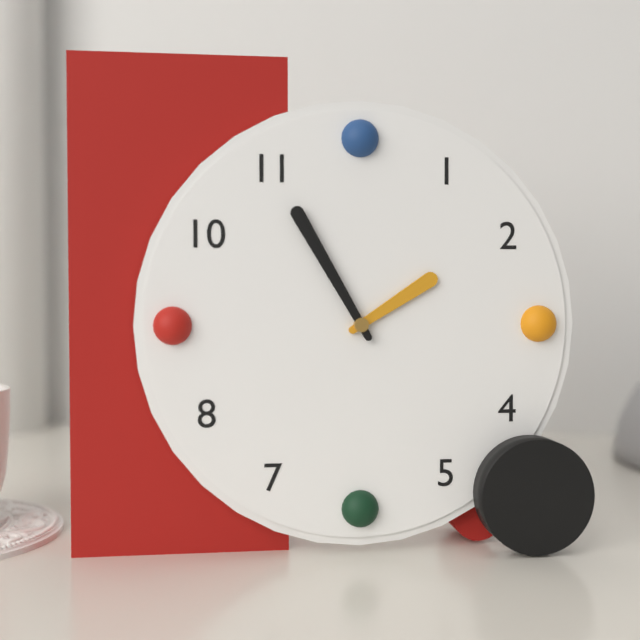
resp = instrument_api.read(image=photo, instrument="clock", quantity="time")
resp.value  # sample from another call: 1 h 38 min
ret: 1 h 55 min
